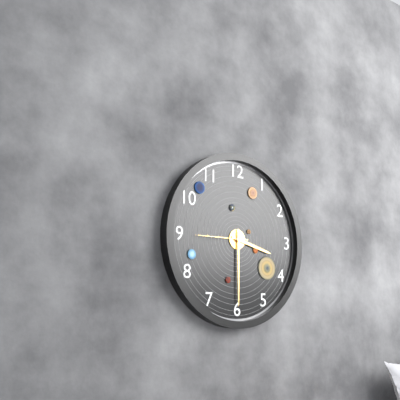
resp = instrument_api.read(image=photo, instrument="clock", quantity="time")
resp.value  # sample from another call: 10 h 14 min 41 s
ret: 3 h 30 min 45 s
